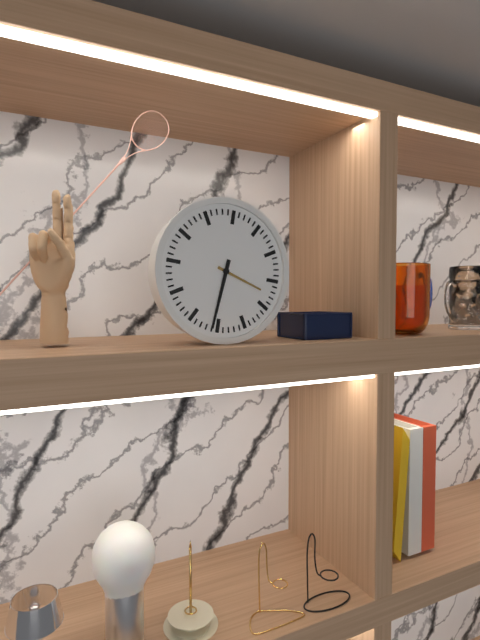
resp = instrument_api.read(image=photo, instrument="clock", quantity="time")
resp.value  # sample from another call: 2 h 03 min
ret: 3 h 31 min
